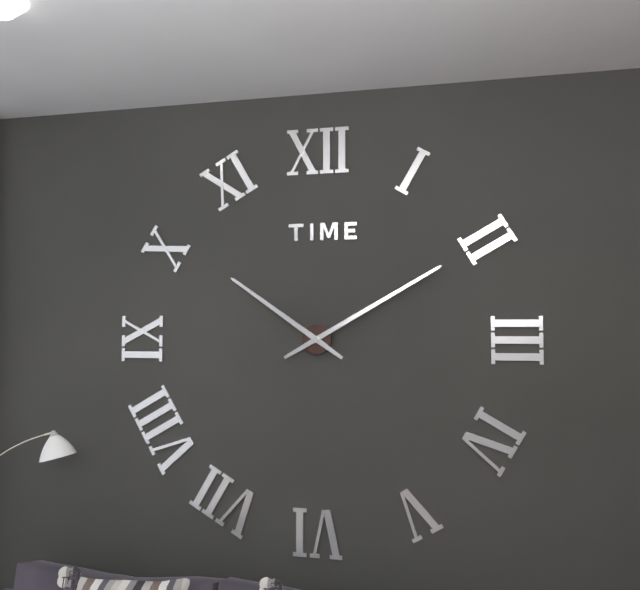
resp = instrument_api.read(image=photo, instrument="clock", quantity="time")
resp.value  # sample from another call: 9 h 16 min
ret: 10 h 10 min
